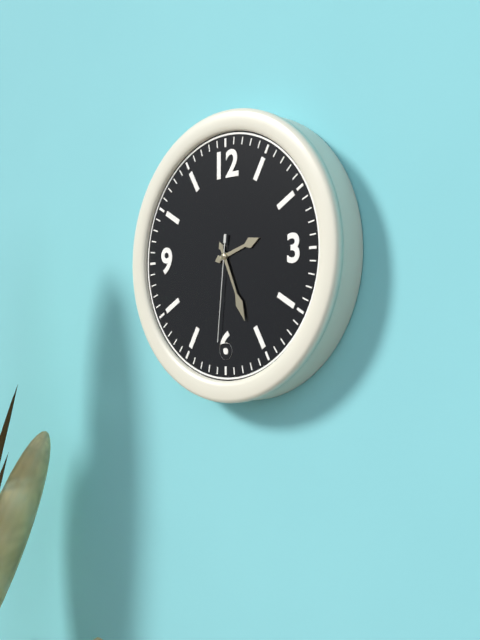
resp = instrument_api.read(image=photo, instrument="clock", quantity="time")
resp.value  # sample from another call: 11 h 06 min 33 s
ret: 2 h 26 min 31 s
